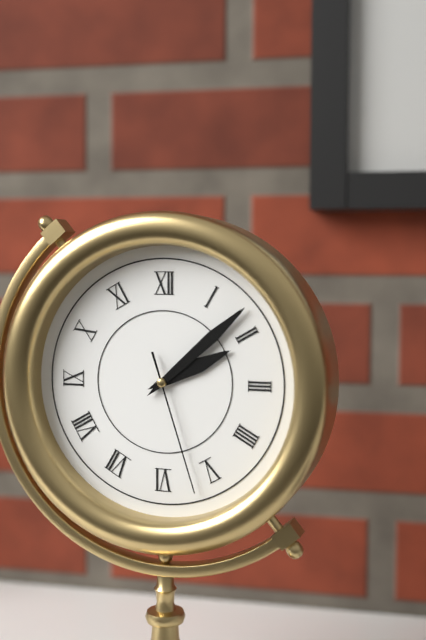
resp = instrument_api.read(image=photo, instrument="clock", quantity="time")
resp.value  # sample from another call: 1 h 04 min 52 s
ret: 2 h 08 min 27 s
